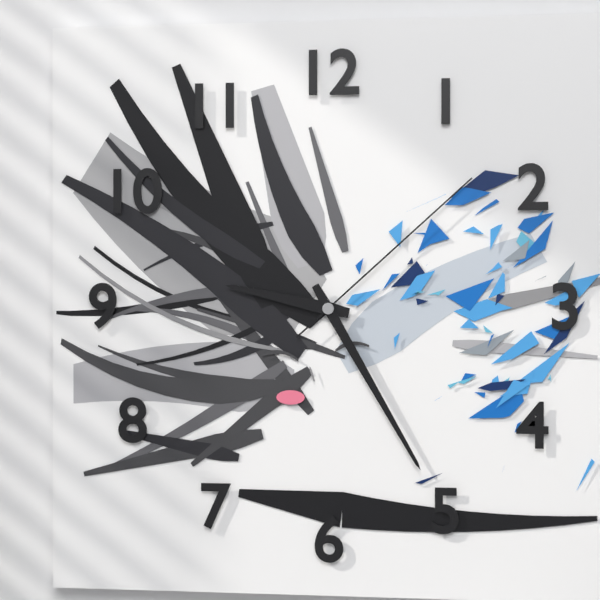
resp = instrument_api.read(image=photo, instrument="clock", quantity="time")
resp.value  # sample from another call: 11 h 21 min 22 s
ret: 9 h 25 min 08 s
